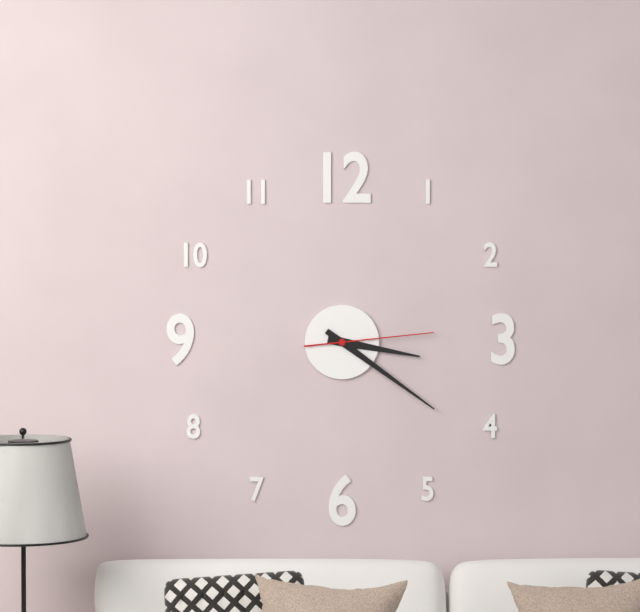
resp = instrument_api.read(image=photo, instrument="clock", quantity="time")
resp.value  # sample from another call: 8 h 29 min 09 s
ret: 3 h 21 min 14 s
